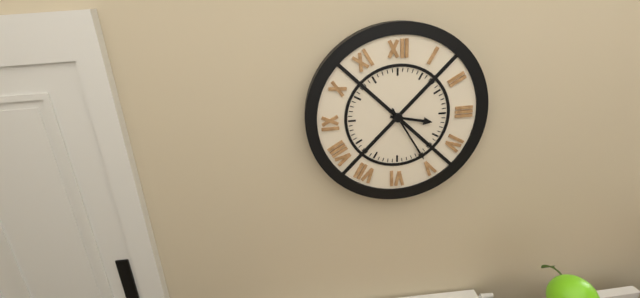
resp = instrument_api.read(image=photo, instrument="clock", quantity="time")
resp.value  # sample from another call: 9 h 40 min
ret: 3 h 25 min
